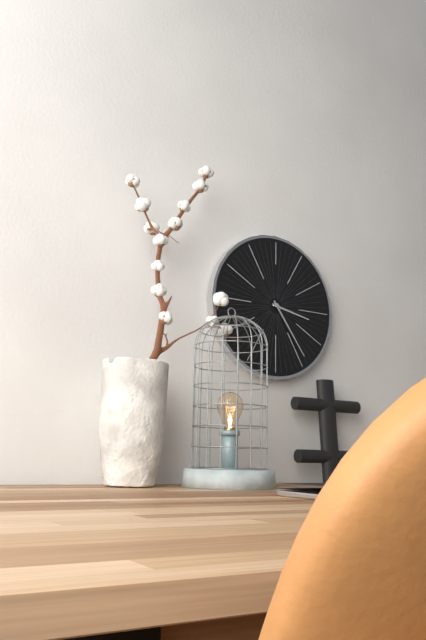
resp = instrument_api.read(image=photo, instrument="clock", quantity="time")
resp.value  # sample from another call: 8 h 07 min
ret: 3 h 24 min
